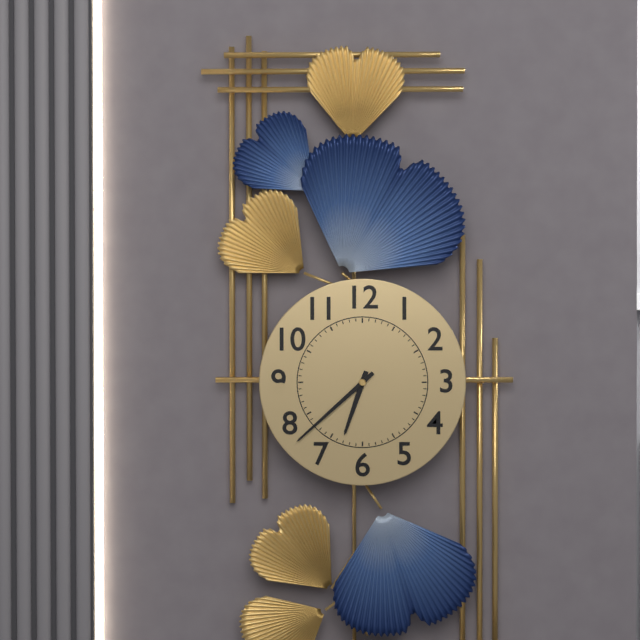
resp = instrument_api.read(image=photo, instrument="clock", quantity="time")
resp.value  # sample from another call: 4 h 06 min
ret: 6 h 38 min
